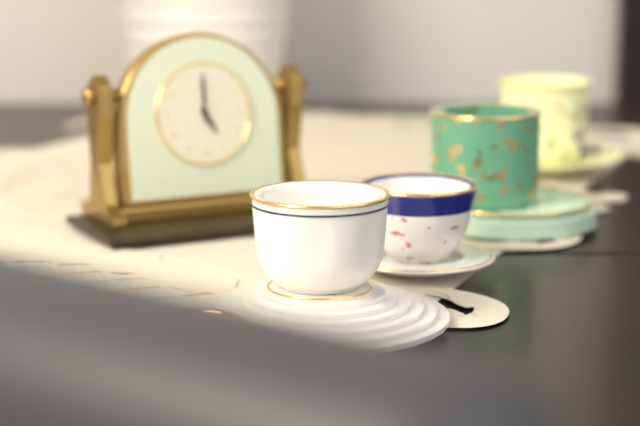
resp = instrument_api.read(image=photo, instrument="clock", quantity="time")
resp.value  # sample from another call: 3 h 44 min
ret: 5 h 00 min
